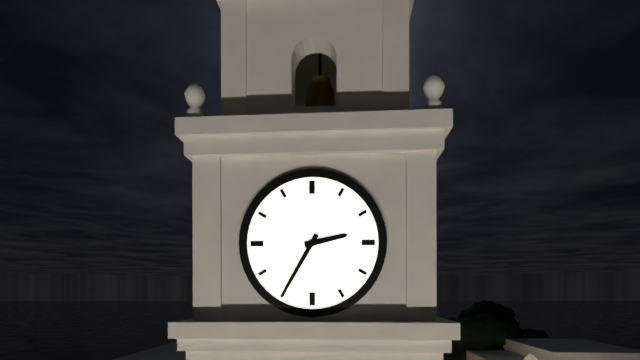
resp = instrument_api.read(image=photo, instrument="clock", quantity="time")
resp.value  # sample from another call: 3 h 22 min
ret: 2 h 35 min
